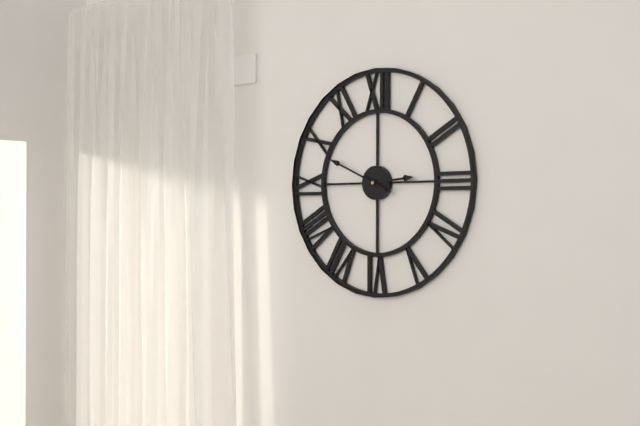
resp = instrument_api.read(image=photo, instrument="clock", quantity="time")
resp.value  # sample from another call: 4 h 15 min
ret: 2 h 49 min
